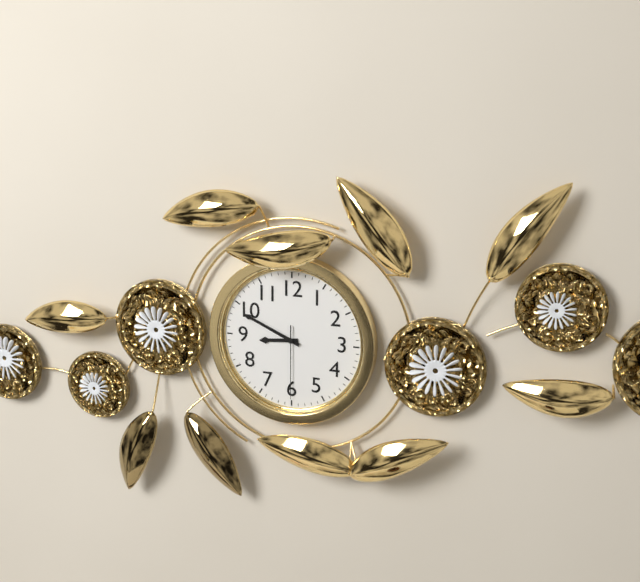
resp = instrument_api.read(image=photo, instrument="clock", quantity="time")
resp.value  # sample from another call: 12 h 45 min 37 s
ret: 8 h 49 min 30 s
